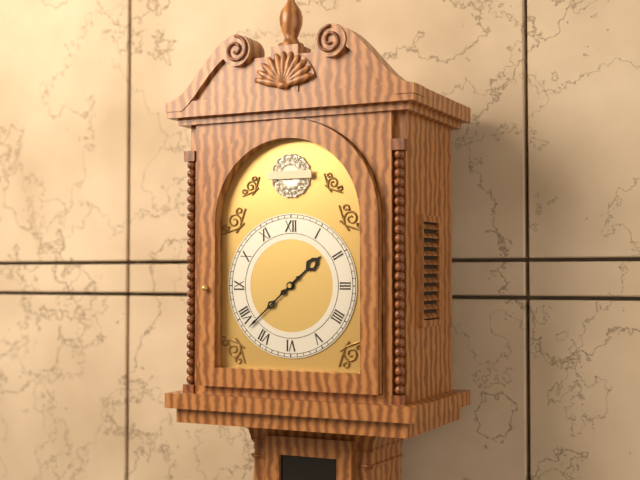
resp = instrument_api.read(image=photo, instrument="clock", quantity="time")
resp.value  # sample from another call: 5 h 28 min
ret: 1 h 38 min
